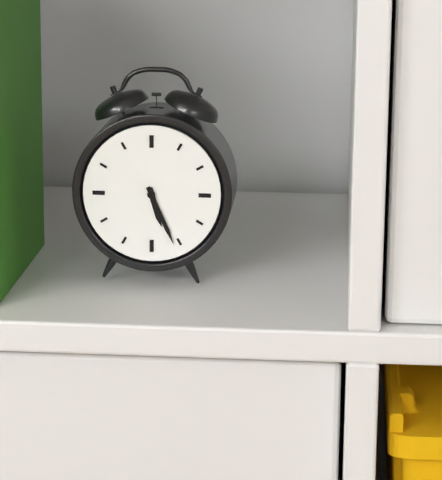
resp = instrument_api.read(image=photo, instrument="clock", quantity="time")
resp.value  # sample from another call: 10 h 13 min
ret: 5 h 26 min
